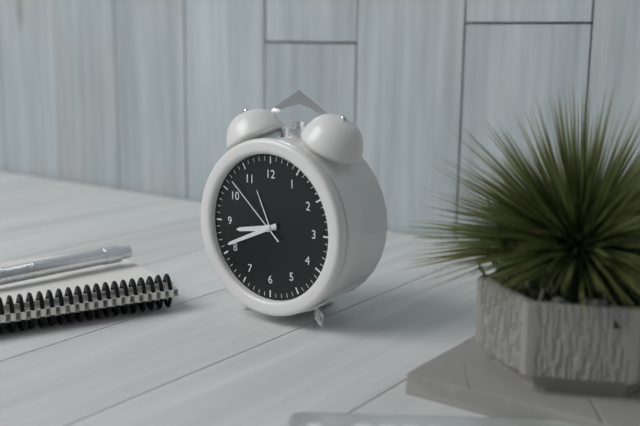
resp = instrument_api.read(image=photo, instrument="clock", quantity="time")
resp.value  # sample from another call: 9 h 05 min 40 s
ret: 8 h 41 min 52 s
